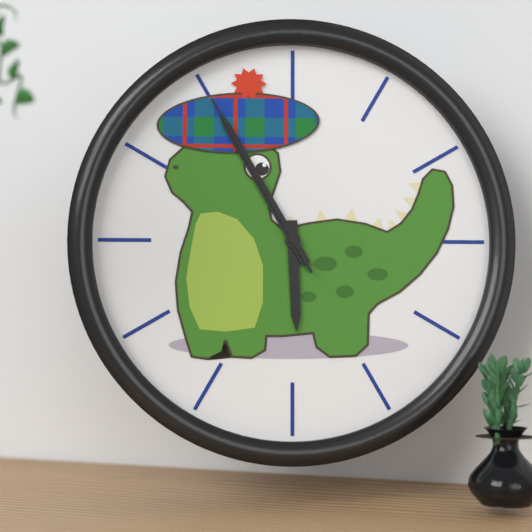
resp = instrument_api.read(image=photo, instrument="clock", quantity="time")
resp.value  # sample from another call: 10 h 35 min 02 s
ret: 5 h 55 min 55 s
